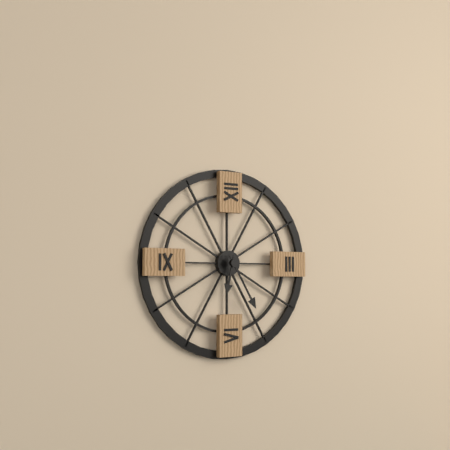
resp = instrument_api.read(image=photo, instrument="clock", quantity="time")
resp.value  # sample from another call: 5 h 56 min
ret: 6 h 25 min
